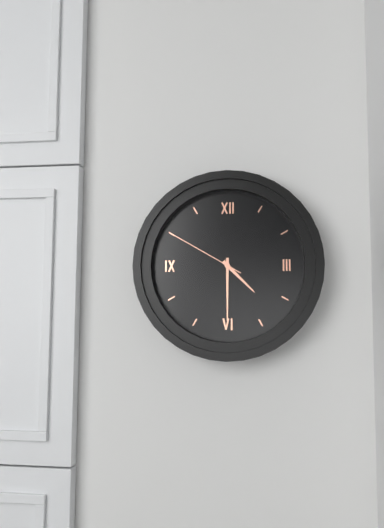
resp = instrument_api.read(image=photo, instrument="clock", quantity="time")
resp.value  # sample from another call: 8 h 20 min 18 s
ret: 4 h 30 min 50 s
